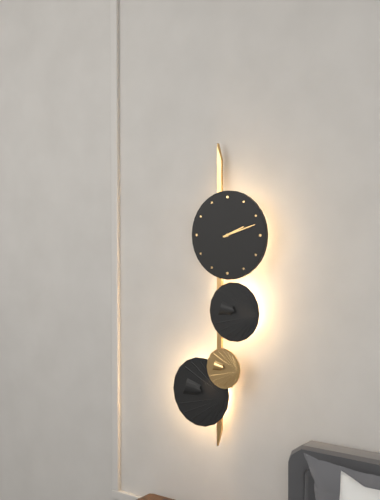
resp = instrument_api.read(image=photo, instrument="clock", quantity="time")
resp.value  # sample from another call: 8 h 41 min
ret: 2 h 12 min
